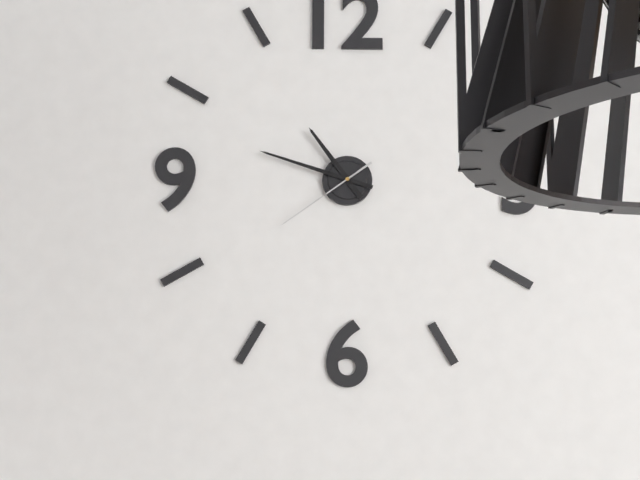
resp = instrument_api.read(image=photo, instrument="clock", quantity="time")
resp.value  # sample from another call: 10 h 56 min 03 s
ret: 10 h 48 min 39 s
